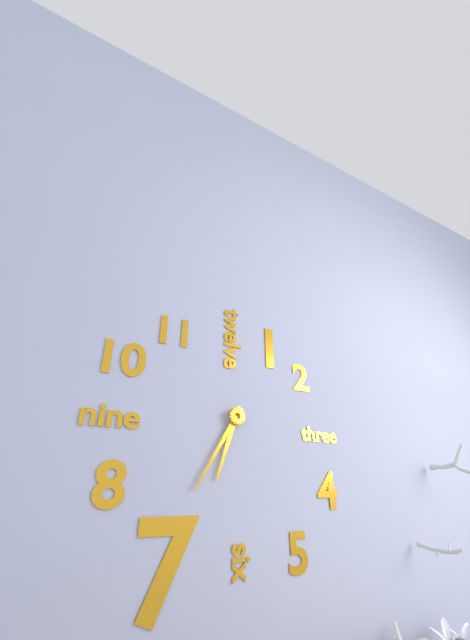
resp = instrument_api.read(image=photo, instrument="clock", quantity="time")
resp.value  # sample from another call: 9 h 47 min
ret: 6 h 35 min
